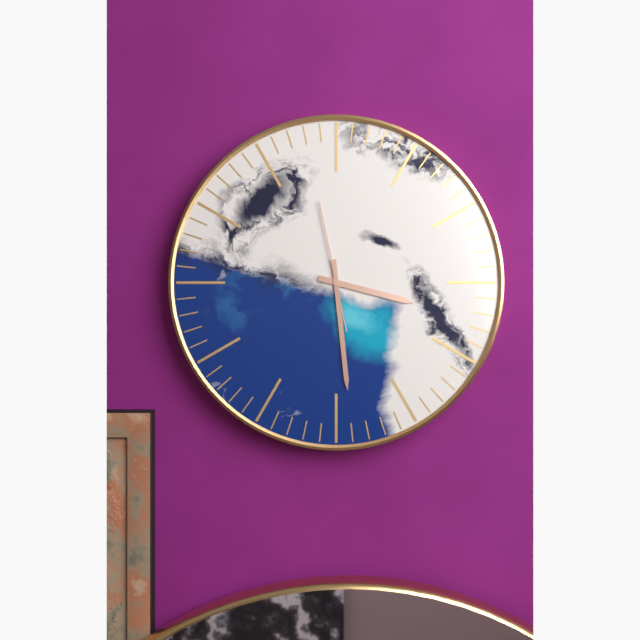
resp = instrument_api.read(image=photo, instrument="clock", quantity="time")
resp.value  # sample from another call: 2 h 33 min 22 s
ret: 3 h 29 min 58 s
